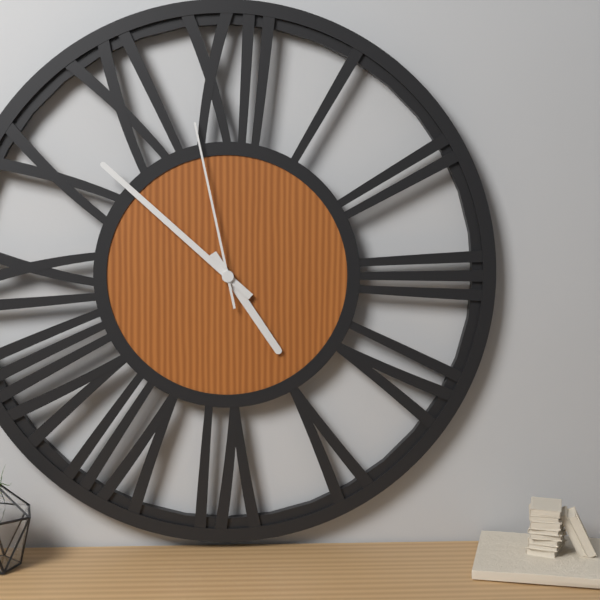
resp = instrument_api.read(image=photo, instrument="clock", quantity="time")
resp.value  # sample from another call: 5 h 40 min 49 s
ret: 4 h 52 min 58 s
